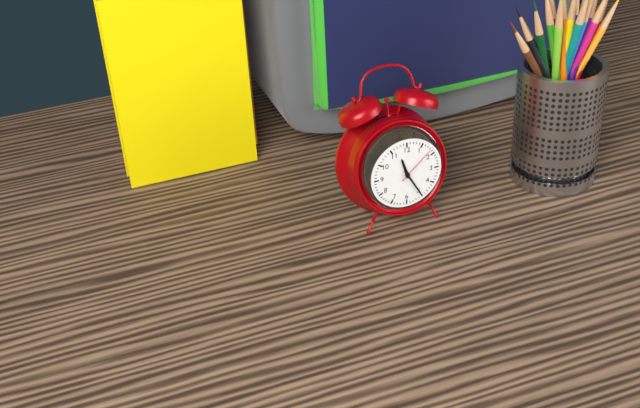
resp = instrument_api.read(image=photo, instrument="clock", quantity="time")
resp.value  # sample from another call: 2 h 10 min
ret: 11 h 25 min
